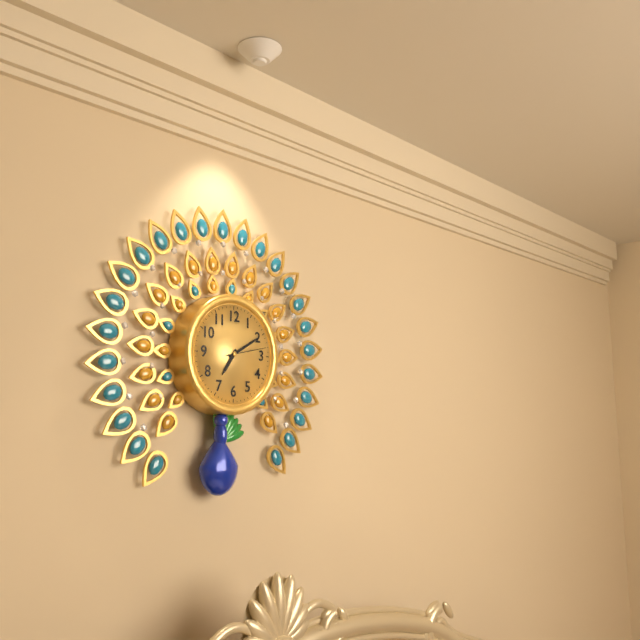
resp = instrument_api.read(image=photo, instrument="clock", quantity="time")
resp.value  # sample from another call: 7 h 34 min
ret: 7 h 10 min
